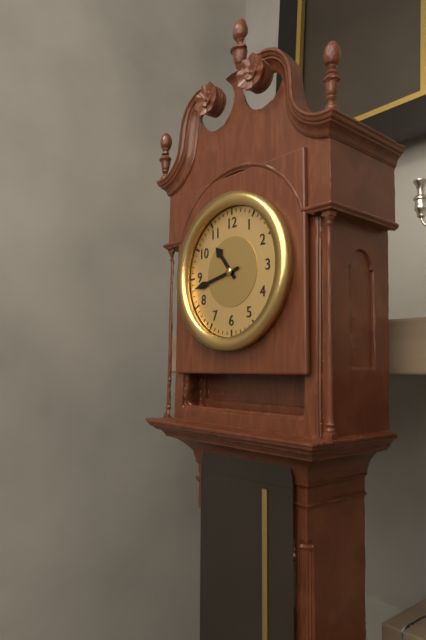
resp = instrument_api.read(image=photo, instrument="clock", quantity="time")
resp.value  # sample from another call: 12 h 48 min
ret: 10 h 43 min
